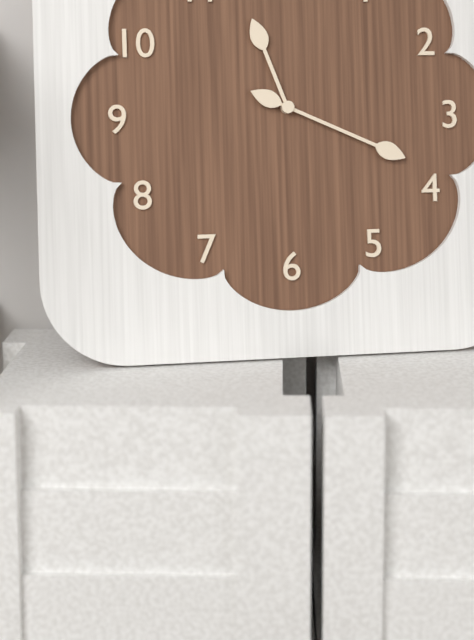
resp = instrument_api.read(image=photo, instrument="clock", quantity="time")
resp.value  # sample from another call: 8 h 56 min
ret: 11 h 19 min
